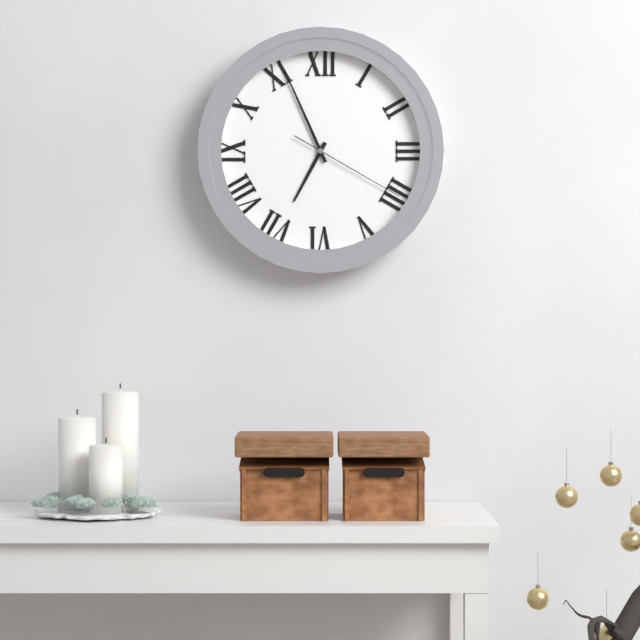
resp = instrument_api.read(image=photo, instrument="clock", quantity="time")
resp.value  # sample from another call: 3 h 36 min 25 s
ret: 6 h 56 min 20 s
